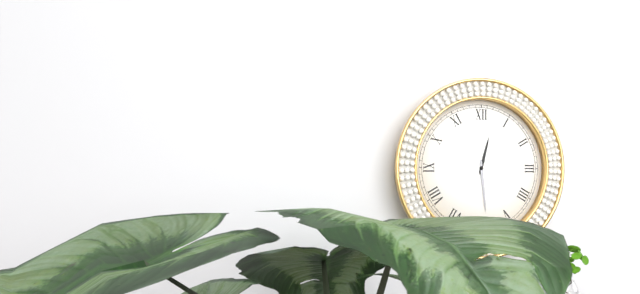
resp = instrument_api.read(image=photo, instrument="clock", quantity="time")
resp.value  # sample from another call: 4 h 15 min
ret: 12 h 29 min
